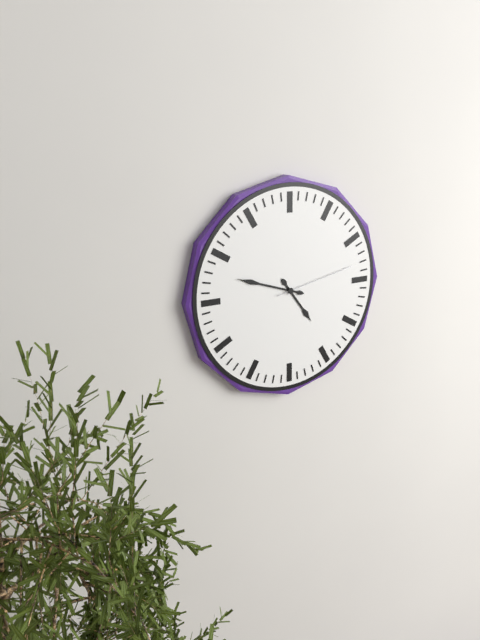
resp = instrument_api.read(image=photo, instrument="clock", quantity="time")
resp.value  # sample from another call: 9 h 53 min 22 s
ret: 4 h 48 min 13 s
